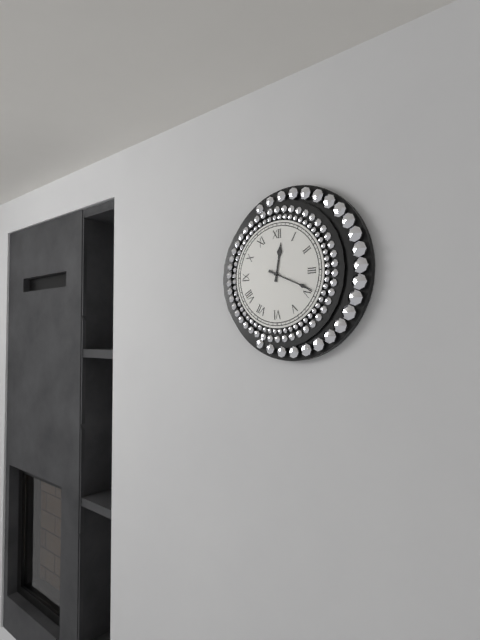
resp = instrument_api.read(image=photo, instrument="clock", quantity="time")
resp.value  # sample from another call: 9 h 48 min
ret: 12 h 19 min
